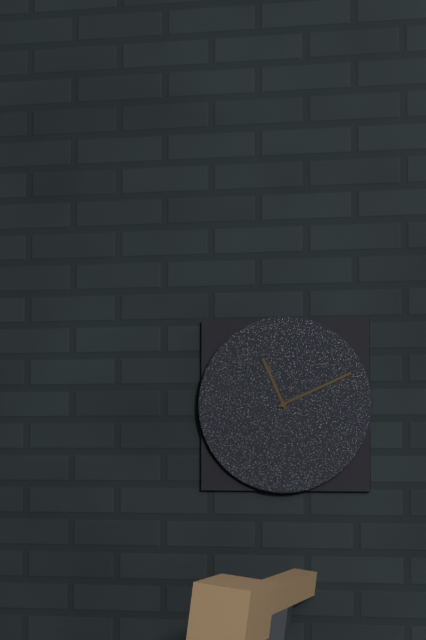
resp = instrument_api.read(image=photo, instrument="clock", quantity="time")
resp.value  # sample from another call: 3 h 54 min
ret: 11 h 11 min
